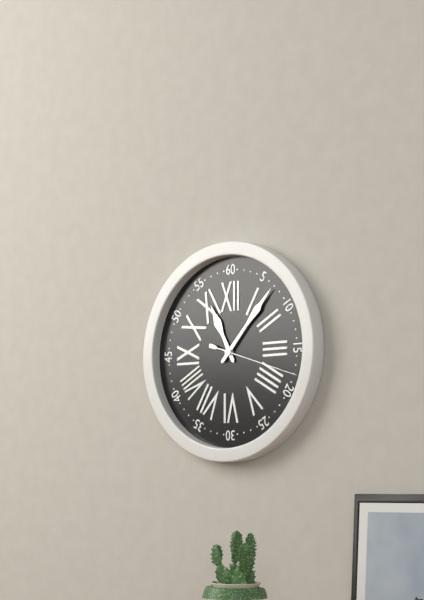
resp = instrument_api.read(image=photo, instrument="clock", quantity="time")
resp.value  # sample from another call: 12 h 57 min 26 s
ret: 11 h 07 min 18 s
